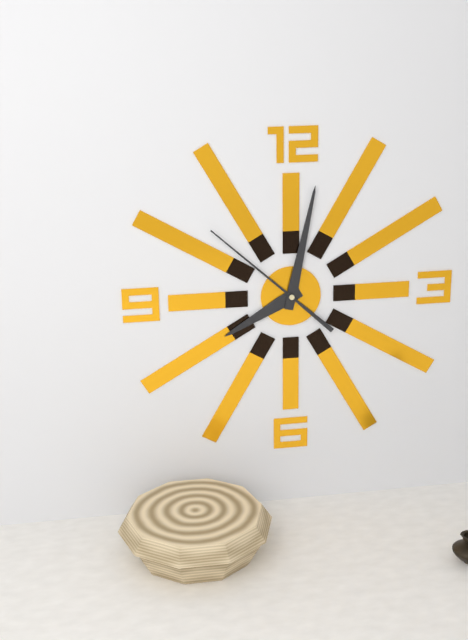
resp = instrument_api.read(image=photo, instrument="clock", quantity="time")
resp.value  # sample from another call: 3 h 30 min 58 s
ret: 8 h 02 min 52 s
